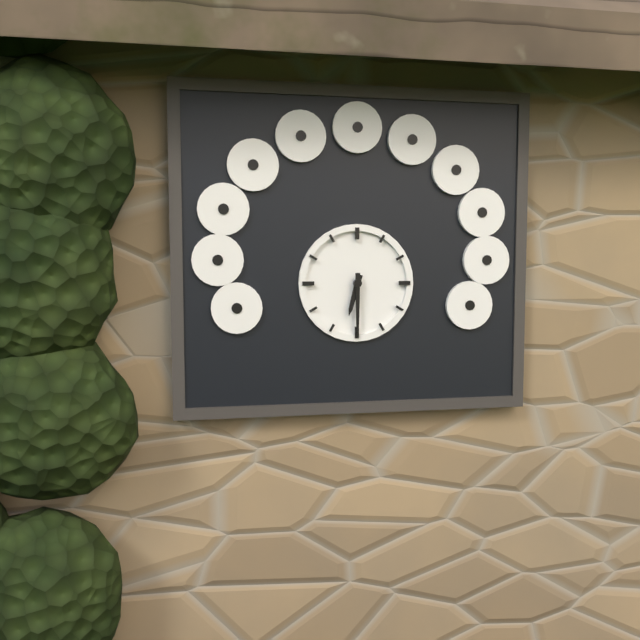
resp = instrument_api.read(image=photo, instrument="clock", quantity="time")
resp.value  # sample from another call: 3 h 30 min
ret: 6 h 30 min
